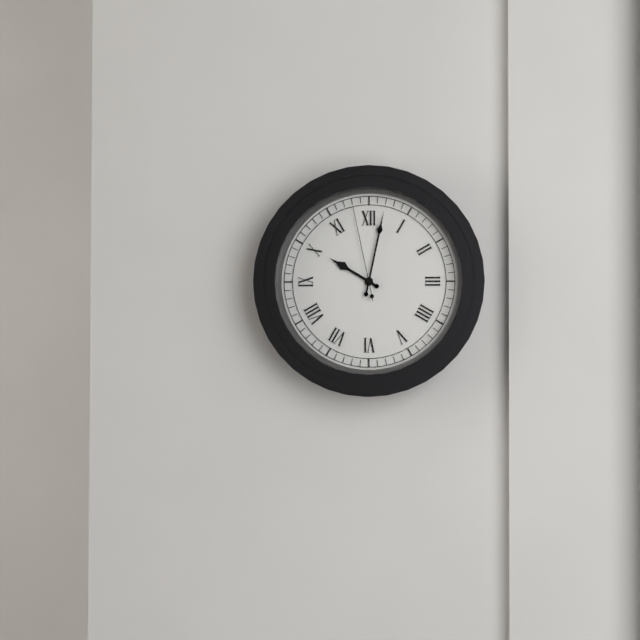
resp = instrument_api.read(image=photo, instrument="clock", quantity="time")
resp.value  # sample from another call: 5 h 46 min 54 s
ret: 10 h 02 min 58 s
